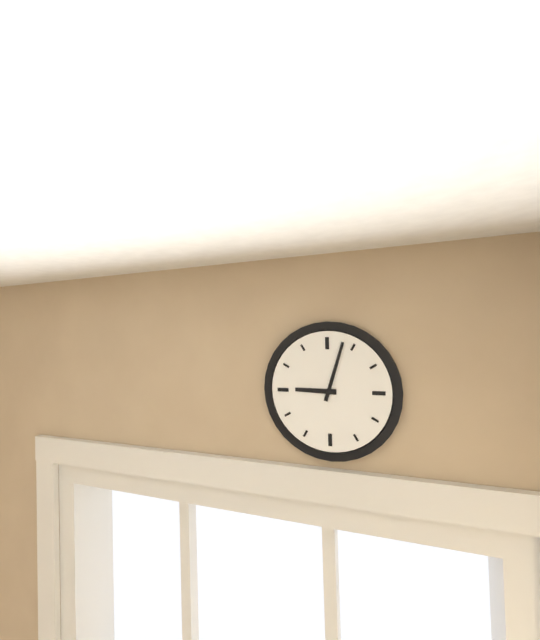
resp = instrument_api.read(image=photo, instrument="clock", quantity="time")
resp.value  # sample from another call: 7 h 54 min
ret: 9 h 03 min
